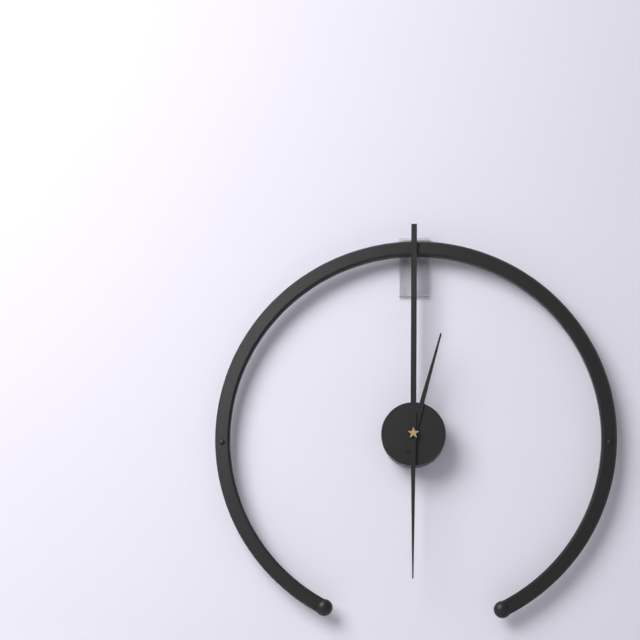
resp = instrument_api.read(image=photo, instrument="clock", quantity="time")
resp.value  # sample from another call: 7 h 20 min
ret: 12 h 30 min
